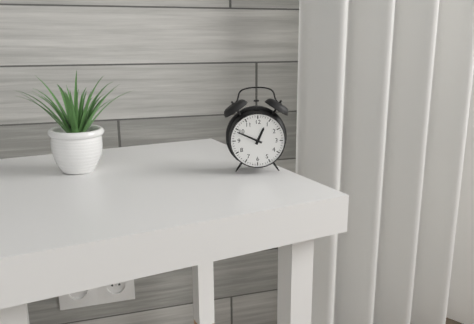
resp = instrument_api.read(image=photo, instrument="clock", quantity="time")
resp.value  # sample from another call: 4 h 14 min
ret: 12 h 49 min
